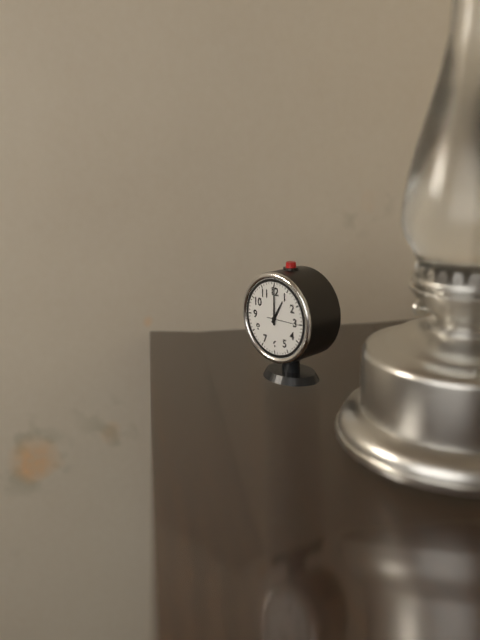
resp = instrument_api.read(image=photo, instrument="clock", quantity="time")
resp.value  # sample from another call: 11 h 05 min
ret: 1 h 00 min
